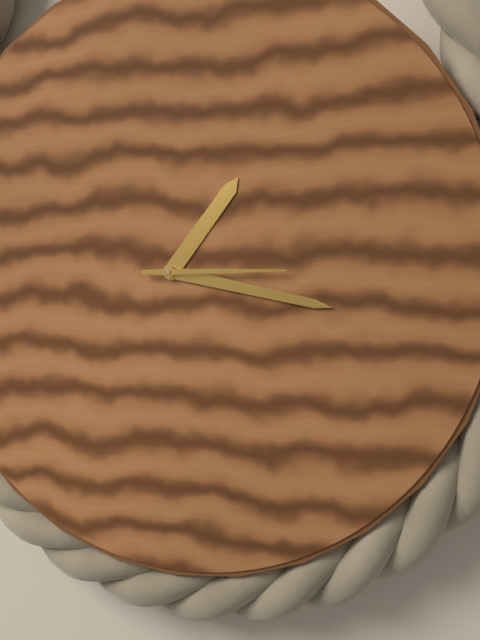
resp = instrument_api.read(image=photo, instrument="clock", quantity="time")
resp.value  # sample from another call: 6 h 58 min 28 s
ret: 1 h 17 min 15 s
